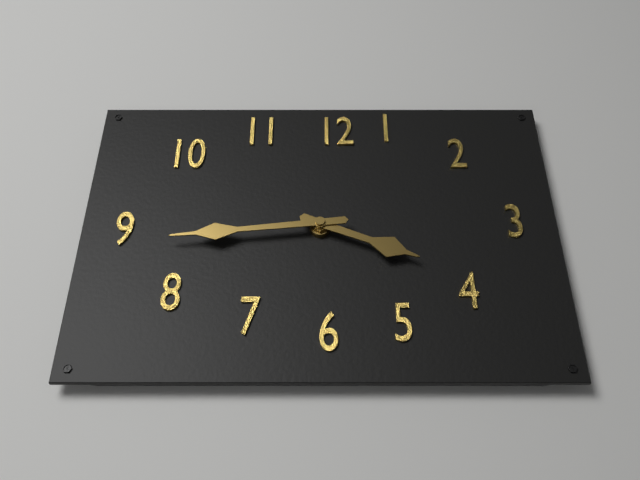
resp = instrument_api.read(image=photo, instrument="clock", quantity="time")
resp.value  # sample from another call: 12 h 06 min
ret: 3 h 44 min
